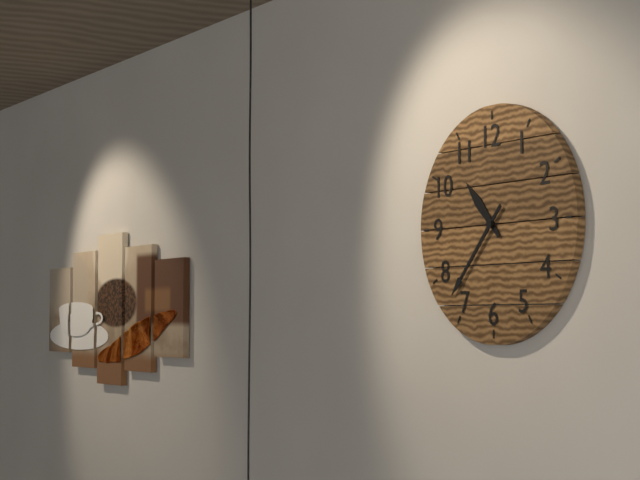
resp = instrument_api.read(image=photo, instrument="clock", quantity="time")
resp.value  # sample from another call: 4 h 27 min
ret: 10 h 37 min
